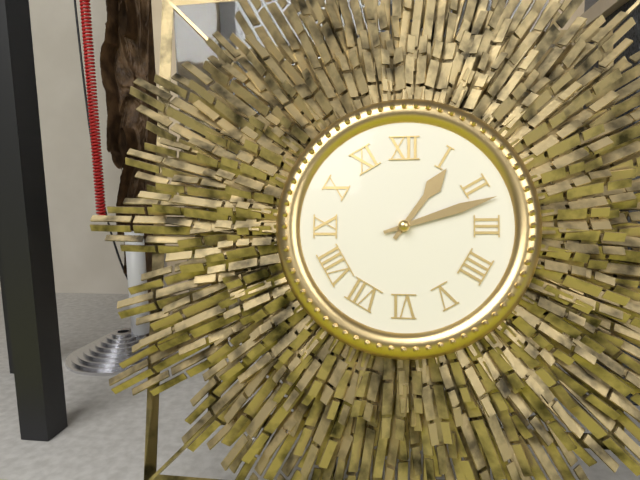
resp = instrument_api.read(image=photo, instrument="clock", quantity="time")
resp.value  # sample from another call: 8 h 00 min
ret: 1 h 12 min
